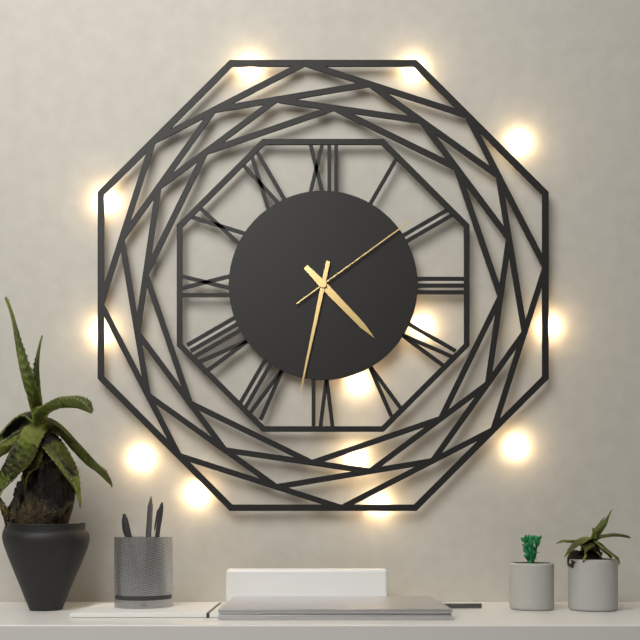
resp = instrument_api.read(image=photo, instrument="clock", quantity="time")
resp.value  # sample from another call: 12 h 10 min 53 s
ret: 4 h 32 min 09 s
